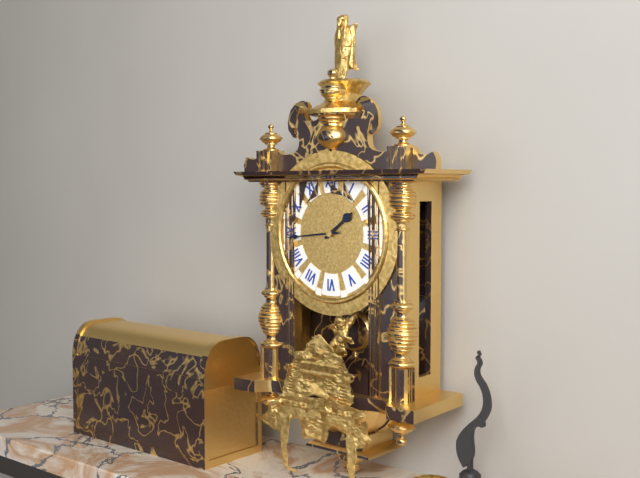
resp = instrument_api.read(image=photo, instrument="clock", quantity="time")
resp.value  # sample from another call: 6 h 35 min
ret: 1 h 44 min
